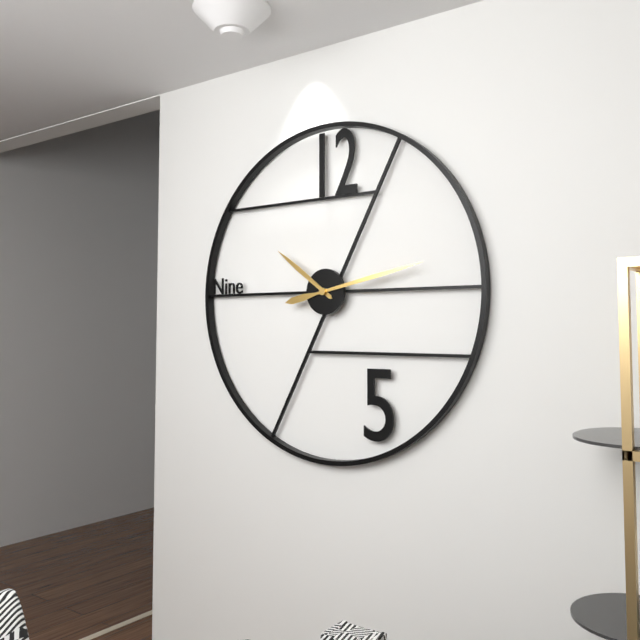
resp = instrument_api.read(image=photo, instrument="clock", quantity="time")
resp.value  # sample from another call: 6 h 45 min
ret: 10 h 13 min
